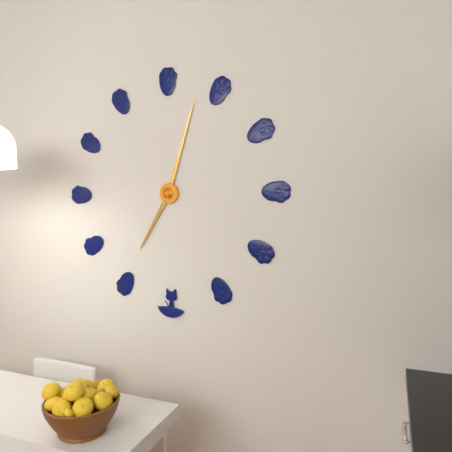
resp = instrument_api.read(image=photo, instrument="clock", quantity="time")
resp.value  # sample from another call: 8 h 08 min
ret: 7 h 03 min
